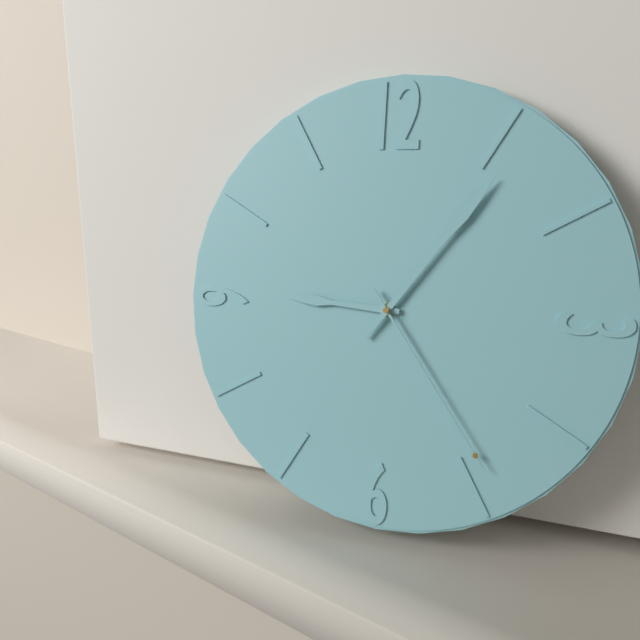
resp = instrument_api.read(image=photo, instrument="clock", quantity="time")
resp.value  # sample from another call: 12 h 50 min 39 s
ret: 9 h 06 min 24 s
